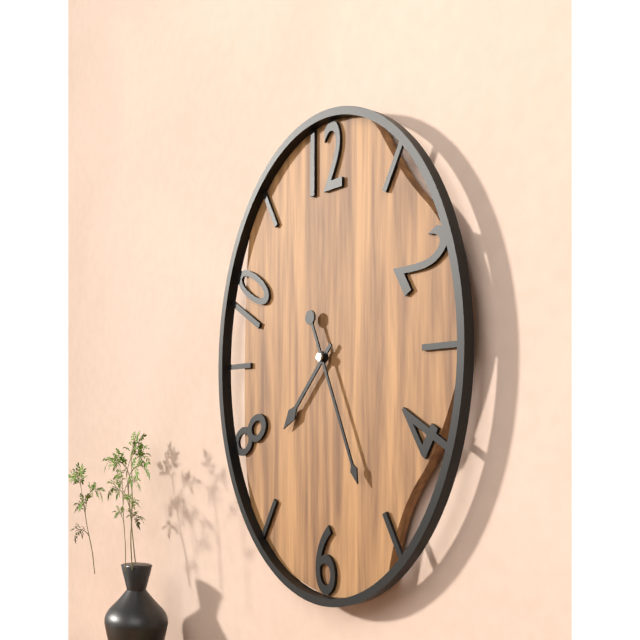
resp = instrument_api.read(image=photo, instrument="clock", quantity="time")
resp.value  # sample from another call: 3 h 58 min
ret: 7 h 26 min
